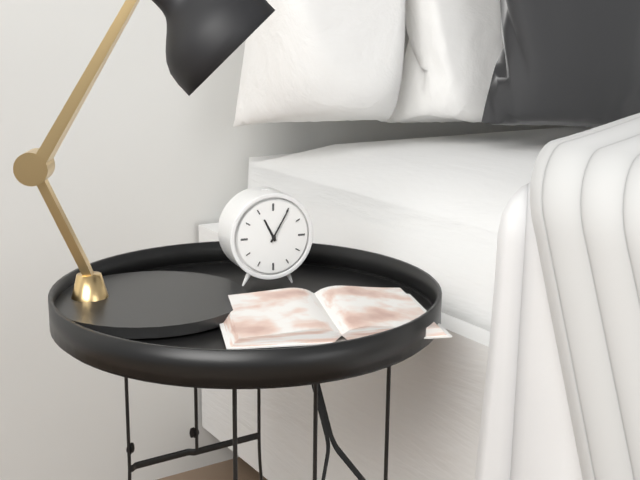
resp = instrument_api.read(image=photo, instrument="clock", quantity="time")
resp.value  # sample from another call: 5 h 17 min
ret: 11 h 05 min
